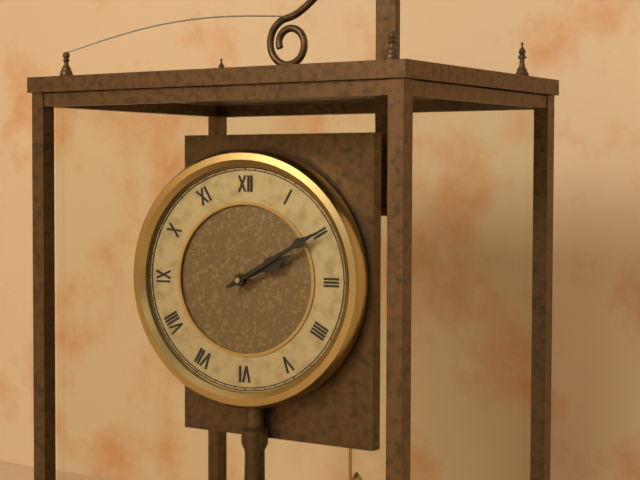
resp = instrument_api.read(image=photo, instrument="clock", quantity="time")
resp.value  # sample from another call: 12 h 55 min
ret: 2 h 10 min
